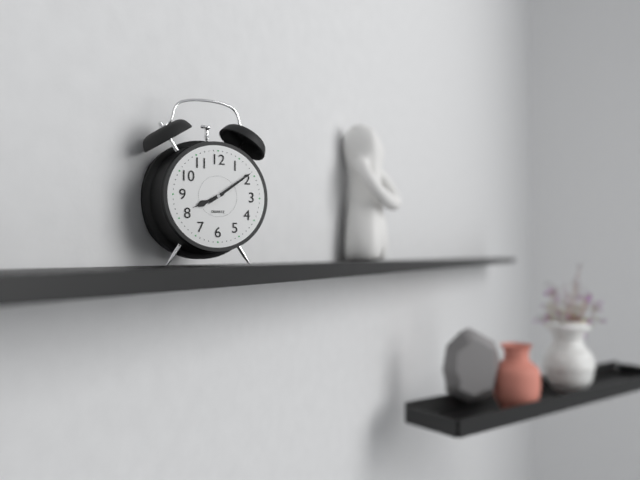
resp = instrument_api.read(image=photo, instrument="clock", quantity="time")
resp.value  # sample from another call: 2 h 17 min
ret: 8 h 09 min
